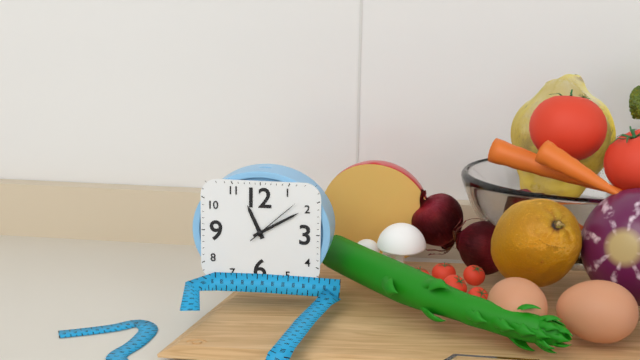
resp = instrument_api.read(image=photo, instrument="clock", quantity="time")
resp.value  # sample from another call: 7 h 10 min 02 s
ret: 11 h 10 min 08 s
